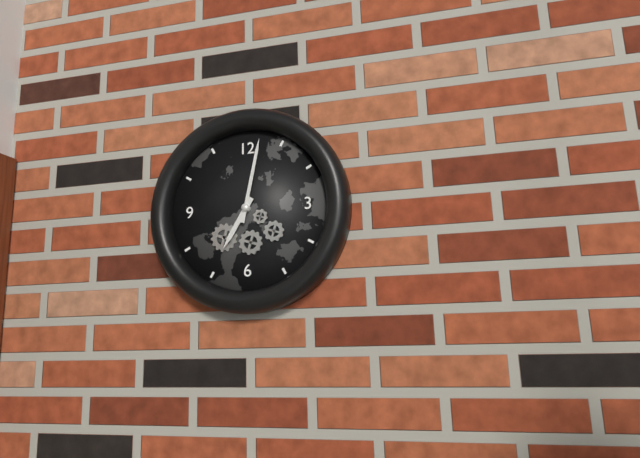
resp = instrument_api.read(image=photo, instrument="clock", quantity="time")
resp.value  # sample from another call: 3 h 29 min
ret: 7 h 02 min
